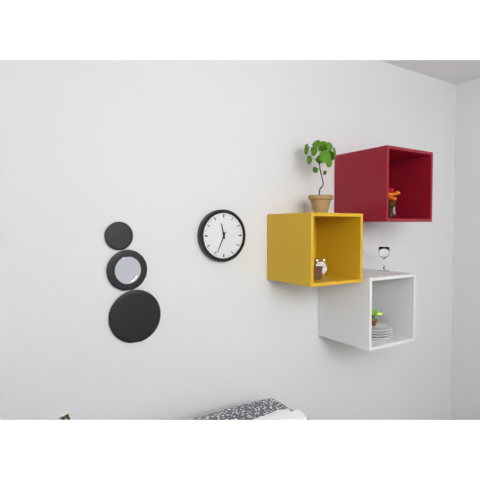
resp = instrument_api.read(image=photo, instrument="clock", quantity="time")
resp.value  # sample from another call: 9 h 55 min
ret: 11 h 34 min
